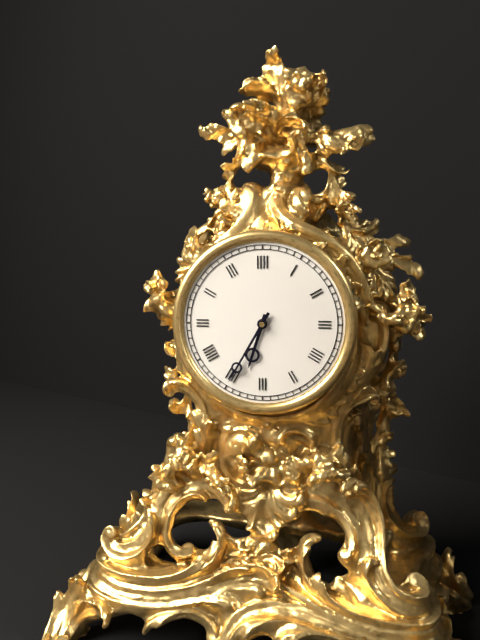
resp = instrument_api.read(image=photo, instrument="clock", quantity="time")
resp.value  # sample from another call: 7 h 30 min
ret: 6 h 35 min
